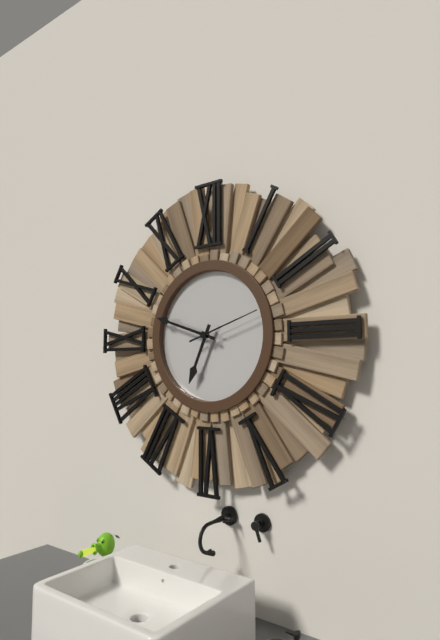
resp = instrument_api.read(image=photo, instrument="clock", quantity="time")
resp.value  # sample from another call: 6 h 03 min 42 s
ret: 6 h 48 min 12 s
